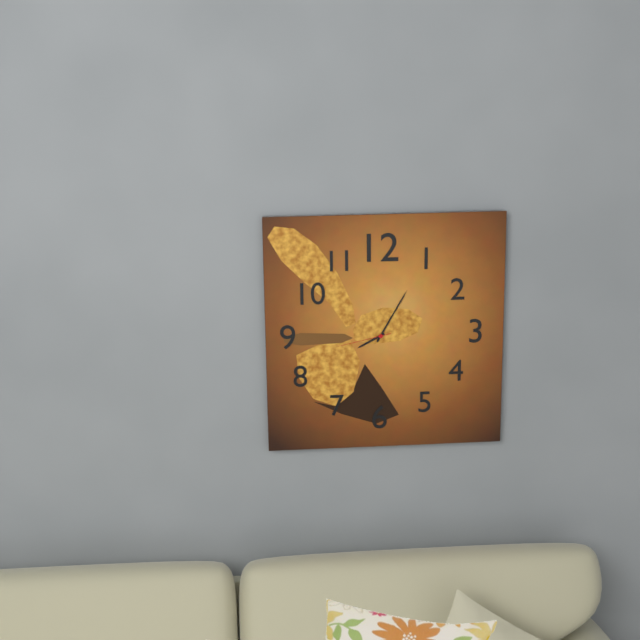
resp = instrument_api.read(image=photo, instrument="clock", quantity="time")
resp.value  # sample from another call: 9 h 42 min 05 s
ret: 8 h 05 min 43 s
